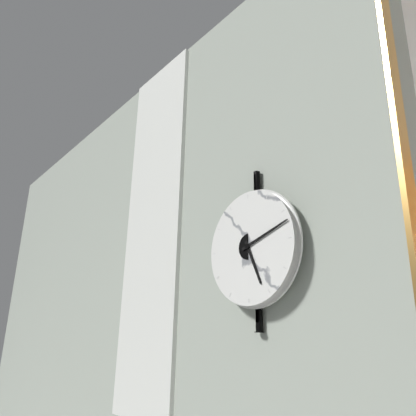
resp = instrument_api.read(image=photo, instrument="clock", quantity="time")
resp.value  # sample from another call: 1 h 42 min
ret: 5 h 12 min
